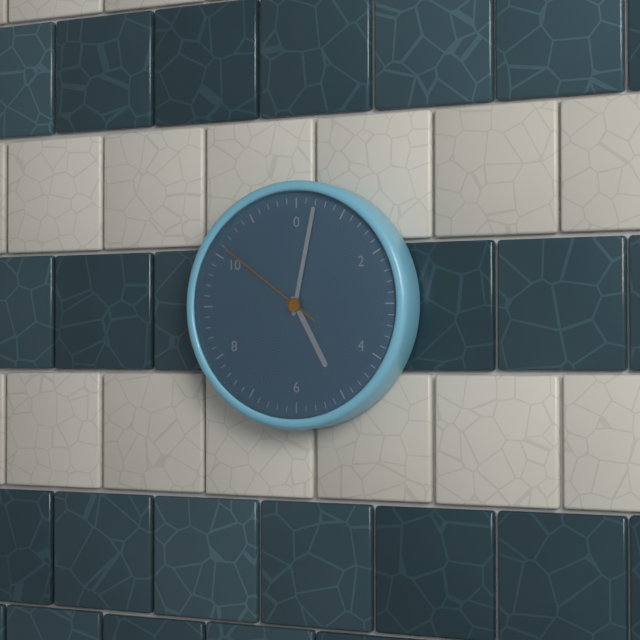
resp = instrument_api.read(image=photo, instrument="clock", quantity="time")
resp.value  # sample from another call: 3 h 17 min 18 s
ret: 5 h 02 min 51 s
